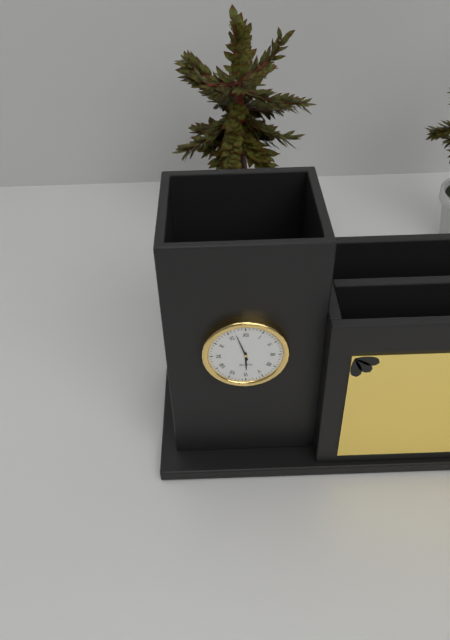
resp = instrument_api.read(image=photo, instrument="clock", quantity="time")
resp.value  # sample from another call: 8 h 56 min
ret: 5 h 57 min
